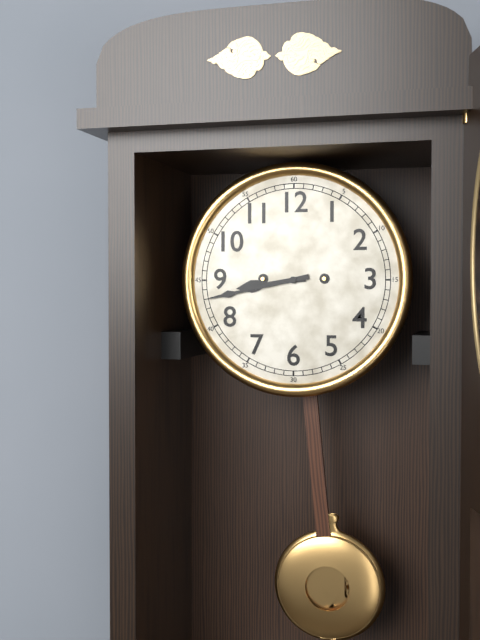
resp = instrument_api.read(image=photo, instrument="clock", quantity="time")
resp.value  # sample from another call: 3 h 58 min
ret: 8 h 43 min
